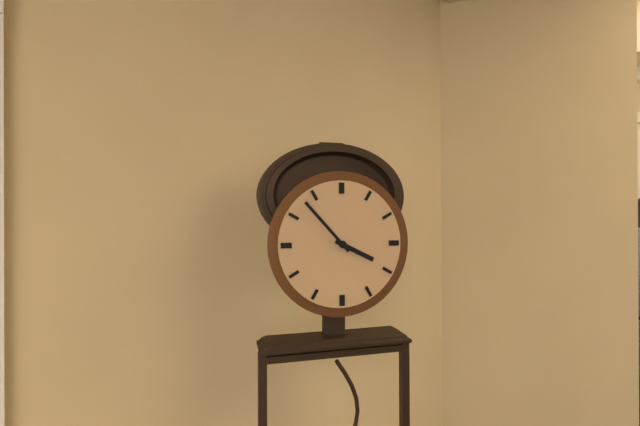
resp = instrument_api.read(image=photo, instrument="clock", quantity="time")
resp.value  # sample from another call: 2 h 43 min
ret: 3 h 53 min
